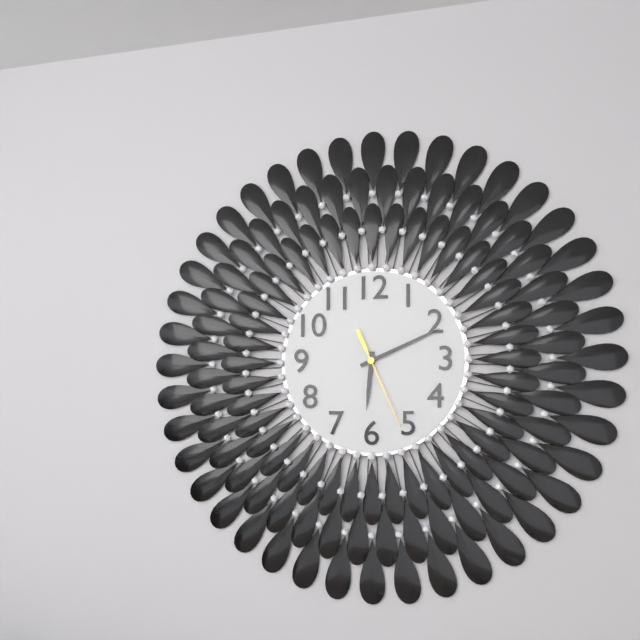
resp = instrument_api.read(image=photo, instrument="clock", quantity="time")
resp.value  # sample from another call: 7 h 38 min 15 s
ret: 6 h 11 min 26 s
